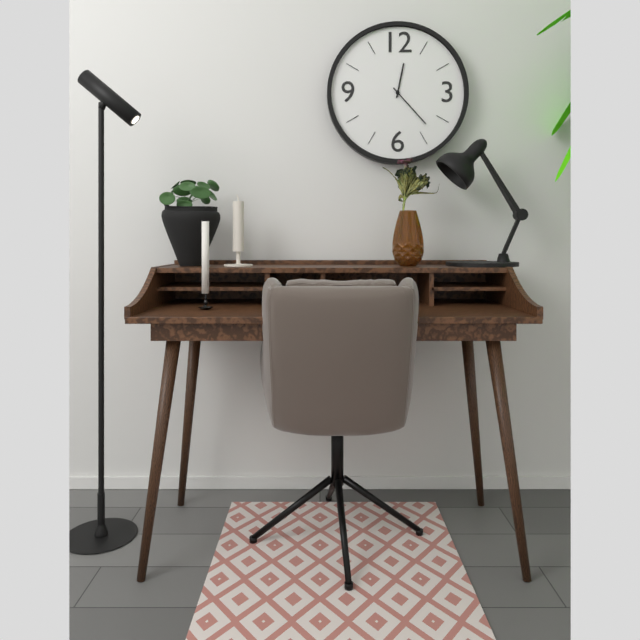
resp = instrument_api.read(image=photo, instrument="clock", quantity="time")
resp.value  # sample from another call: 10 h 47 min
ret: 12 h 23 min
